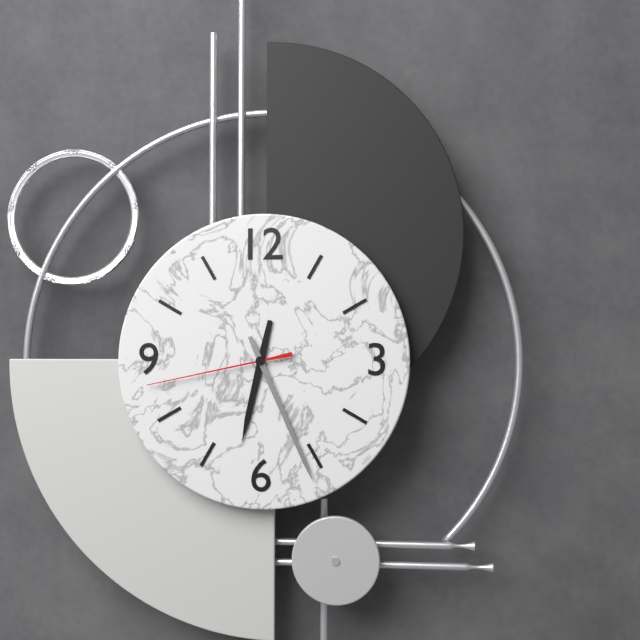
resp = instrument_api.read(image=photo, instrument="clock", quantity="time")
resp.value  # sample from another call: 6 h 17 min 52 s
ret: 6 h 26 min 43 s
